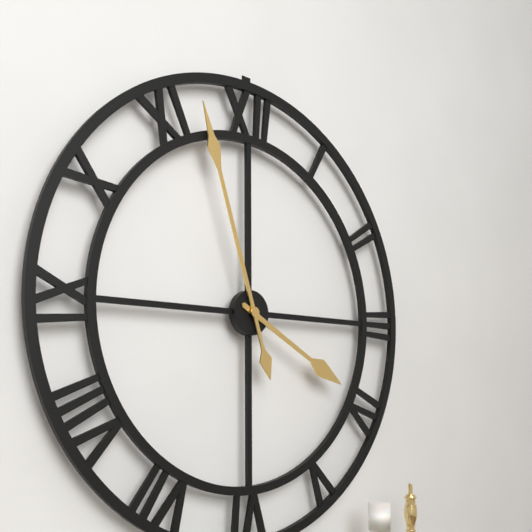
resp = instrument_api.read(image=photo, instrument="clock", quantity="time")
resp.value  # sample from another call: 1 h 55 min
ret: 3 h 57 min
